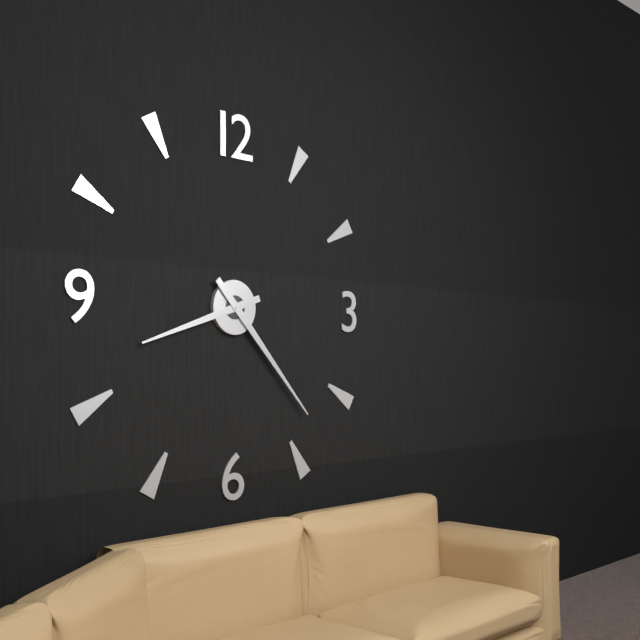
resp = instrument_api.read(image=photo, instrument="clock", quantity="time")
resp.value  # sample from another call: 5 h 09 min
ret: 8 h 23 min
